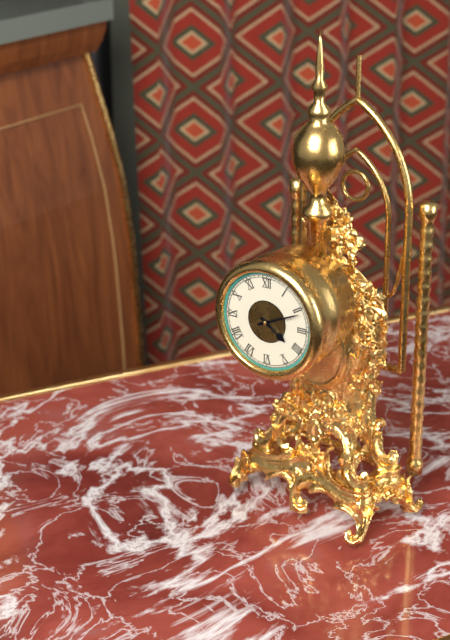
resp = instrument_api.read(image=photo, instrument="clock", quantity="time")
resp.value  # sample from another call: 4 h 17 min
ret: 4 h 11 min
